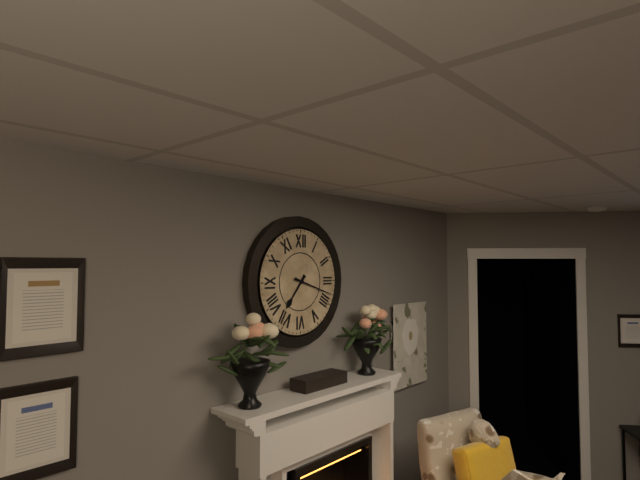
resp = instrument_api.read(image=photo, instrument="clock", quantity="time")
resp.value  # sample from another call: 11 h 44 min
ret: 7 h 18 min
